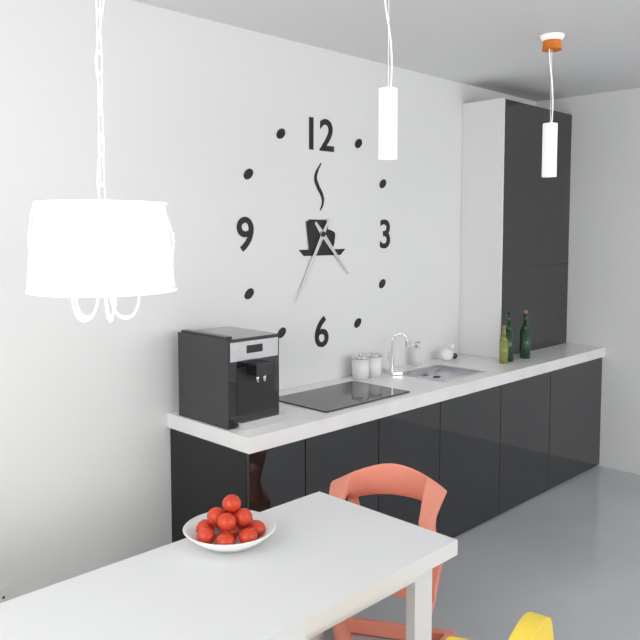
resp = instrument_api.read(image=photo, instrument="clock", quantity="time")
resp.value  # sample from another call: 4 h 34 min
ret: 4 h 35 min
